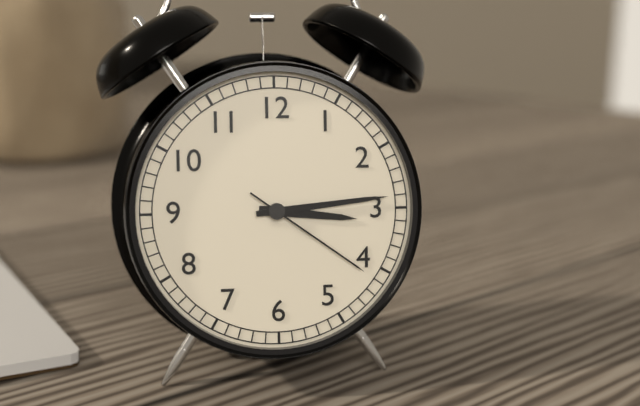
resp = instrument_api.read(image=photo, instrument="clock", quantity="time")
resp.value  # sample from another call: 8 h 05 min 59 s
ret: 3 h 14 min 21 s
